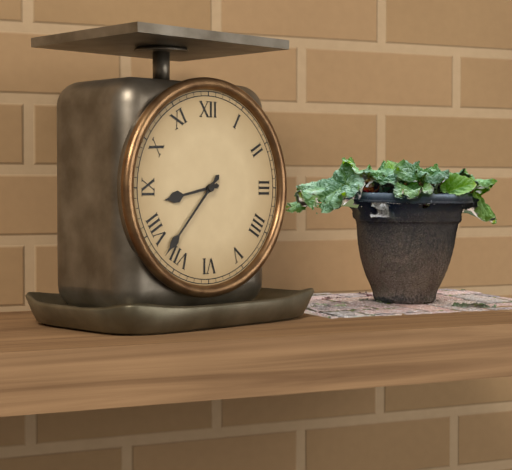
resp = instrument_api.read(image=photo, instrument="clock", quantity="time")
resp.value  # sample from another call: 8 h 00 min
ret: 8 h 37 min
